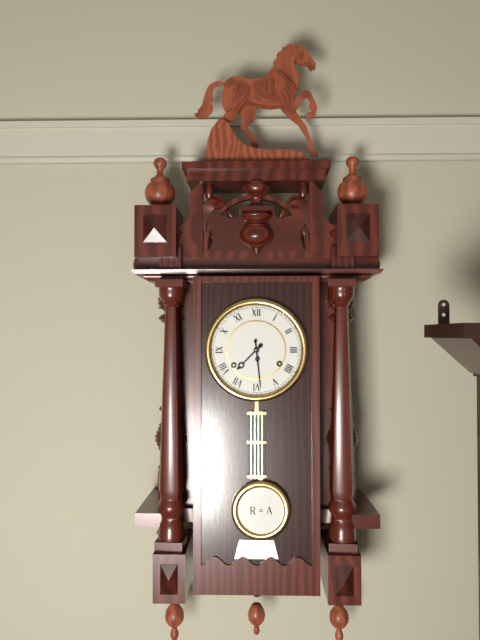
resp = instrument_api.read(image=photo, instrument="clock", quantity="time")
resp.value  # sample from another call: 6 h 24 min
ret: 7 h 29 min
